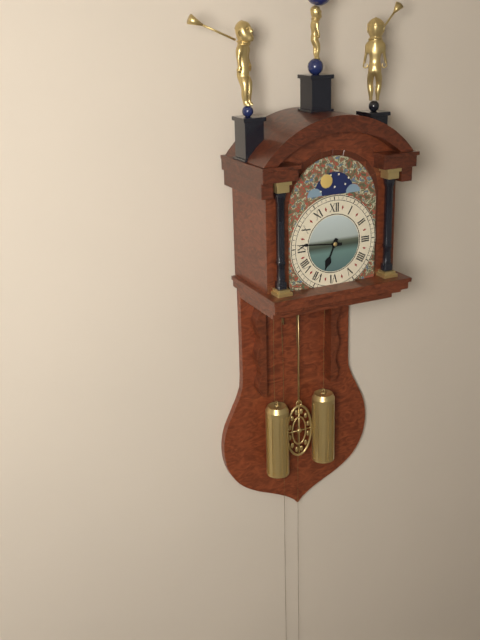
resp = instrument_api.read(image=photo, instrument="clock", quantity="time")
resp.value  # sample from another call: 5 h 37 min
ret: 6 h 46 min
